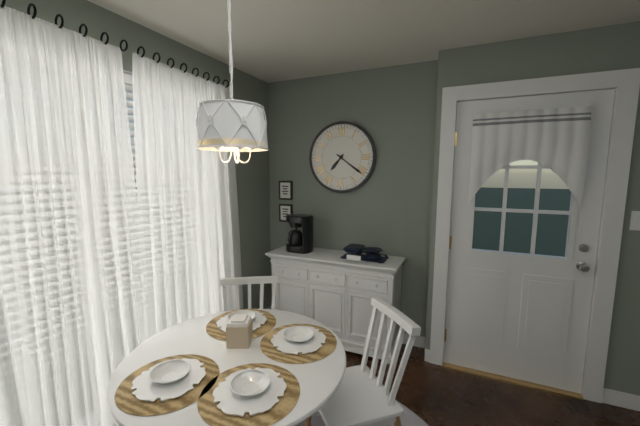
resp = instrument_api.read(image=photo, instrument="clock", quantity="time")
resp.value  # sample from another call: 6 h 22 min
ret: 7 h 21 min
